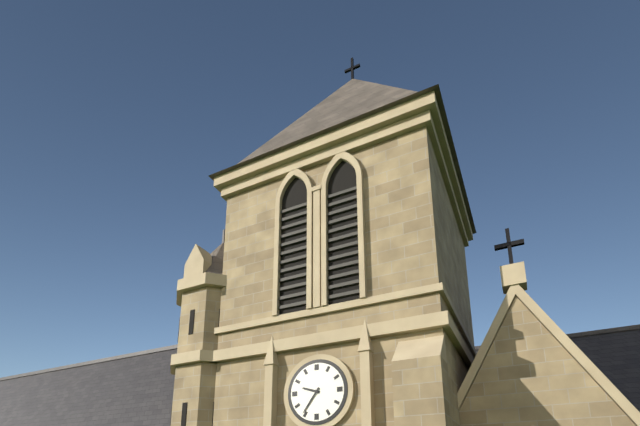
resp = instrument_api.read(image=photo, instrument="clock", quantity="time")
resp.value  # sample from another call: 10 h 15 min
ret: 9 h 36 min
